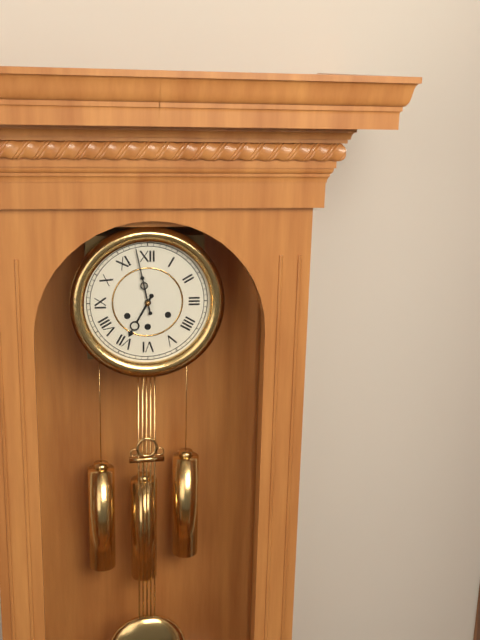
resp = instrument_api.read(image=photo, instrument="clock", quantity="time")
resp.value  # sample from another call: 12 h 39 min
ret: 6 h 58 min
